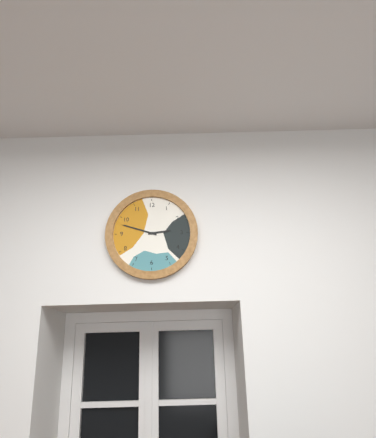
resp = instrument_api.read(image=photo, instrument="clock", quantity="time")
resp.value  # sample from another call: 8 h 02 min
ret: 2 h 48 min
